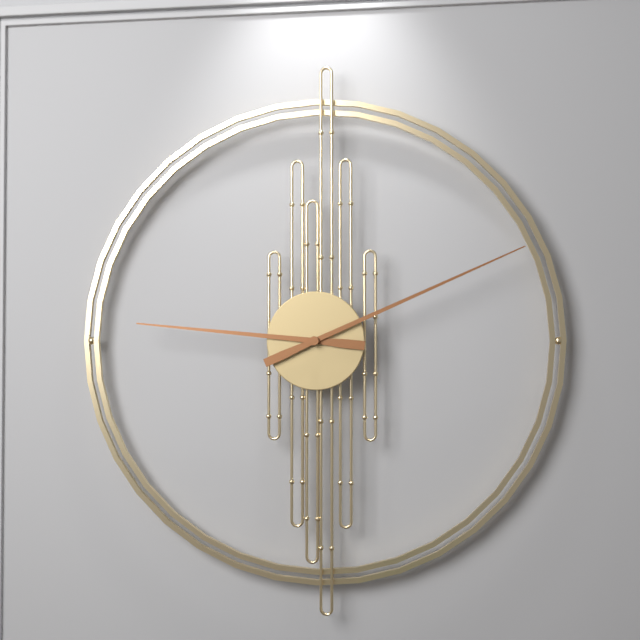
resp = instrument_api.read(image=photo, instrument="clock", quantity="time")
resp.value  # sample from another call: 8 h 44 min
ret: 9 h 11 min
